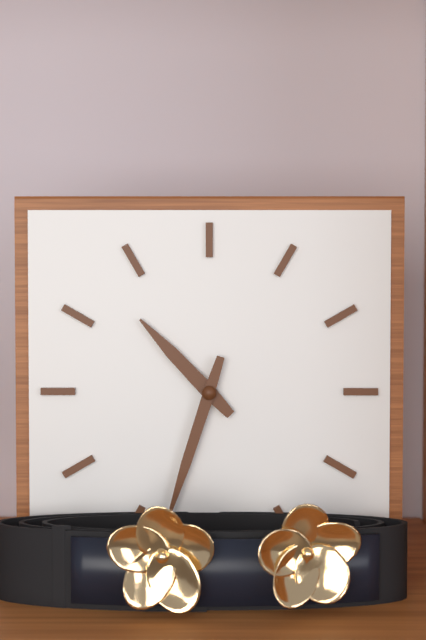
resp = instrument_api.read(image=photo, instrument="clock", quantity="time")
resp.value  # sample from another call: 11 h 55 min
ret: 10 h 33 min
